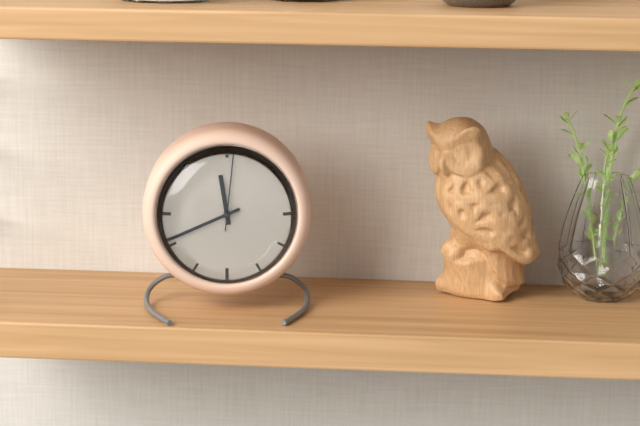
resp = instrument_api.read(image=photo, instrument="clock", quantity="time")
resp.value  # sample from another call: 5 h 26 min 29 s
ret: 11 h 41 min 01 s
